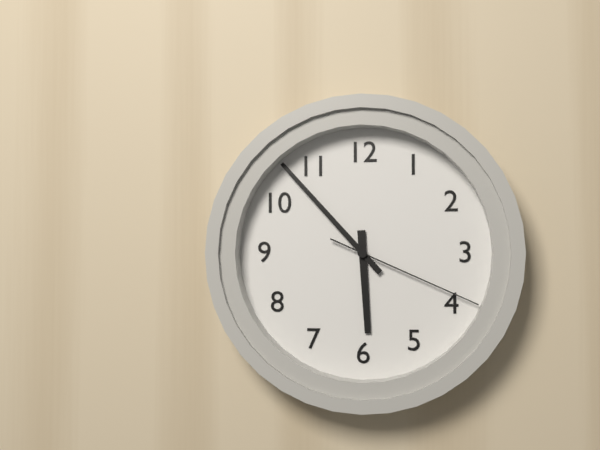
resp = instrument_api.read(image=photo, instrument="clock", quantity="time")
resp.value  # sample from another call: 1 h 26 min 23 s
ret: 5 h 53 min 19 s
